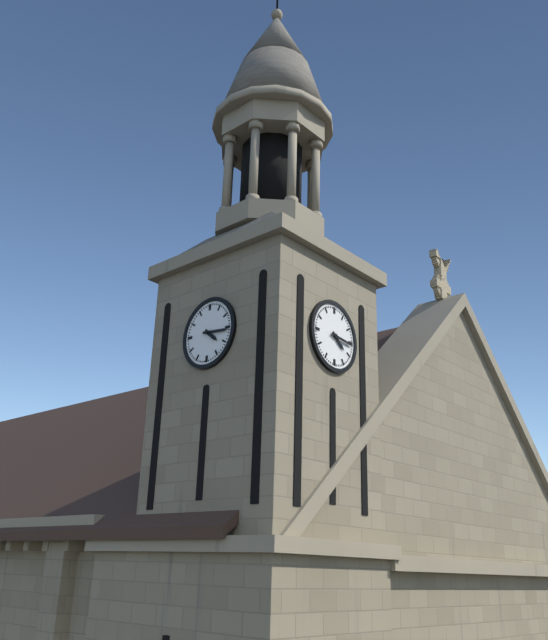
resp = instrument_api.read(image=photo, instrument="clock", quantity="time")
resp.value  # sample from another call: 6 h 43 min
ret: 4 h 16 min
